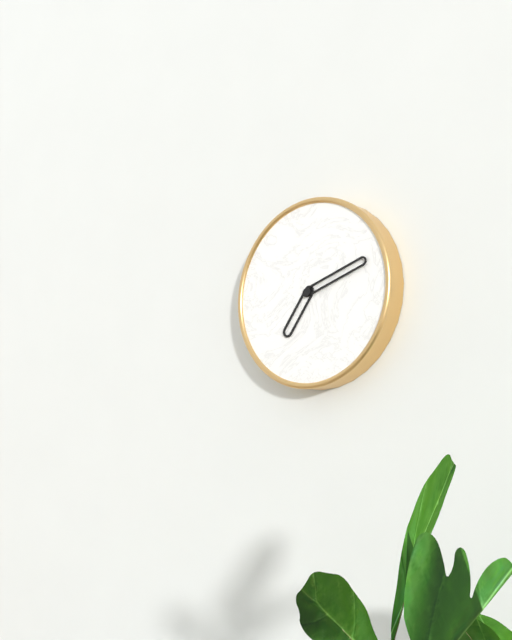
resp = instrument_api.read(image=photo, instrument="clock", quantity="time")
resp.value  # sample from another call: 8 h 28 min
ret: 7 h 12 min
